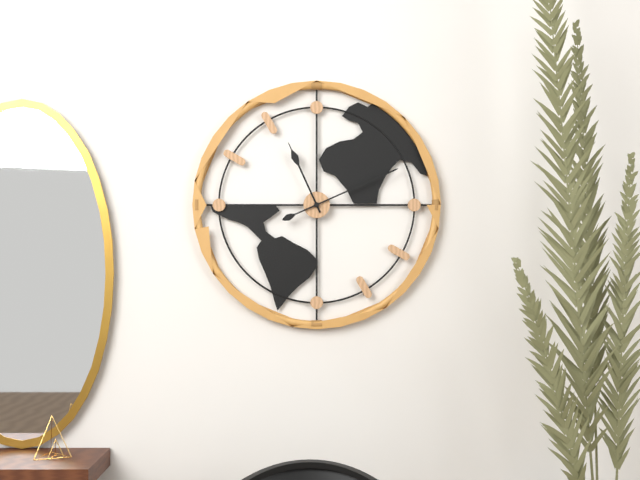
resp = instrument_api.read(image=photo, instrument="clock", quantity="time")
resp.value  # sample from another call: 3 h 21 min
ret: 11 h 11 min
